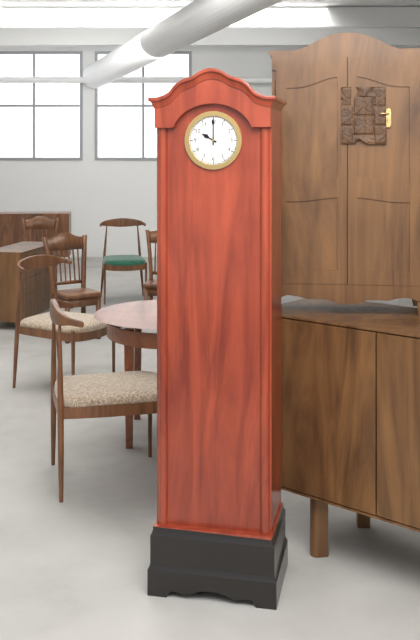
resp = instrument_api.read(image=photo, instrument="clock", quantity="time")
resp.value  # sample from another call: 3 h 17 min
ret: 10 h 00 min
